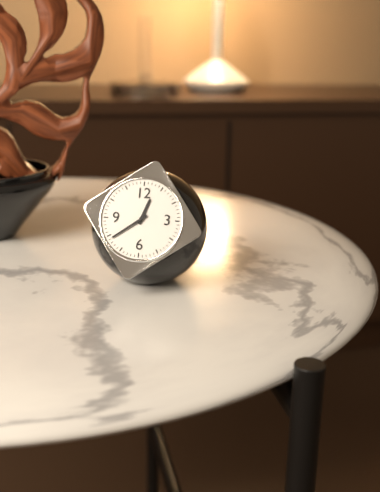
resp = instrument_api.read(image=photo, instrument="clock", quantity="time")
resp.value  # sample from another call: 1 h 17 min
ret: 12 h 39 min
